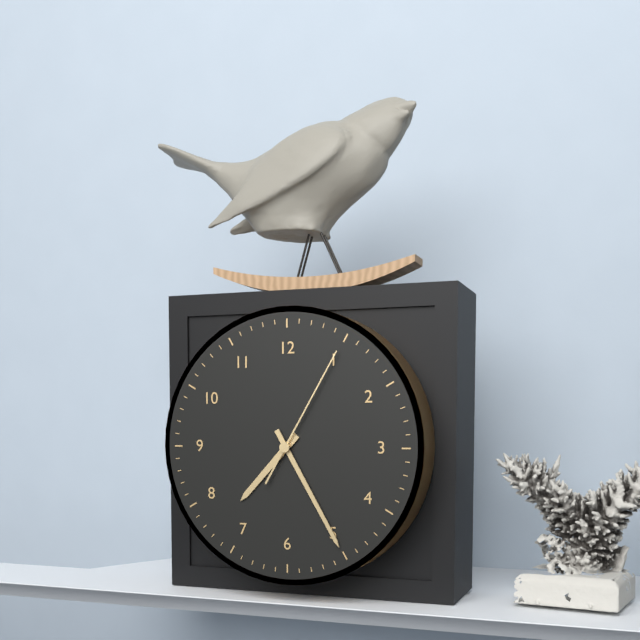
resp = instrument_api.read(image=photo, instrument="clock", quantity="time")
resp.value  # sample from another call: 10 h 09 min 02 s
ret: 7 h 25 min 05 s
